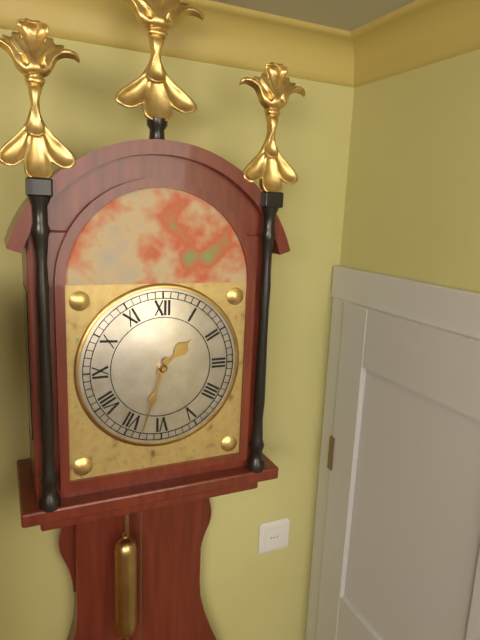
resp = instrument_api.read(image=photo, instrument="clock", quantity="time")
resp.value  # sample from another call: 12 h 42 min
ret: 1 h 33 min
